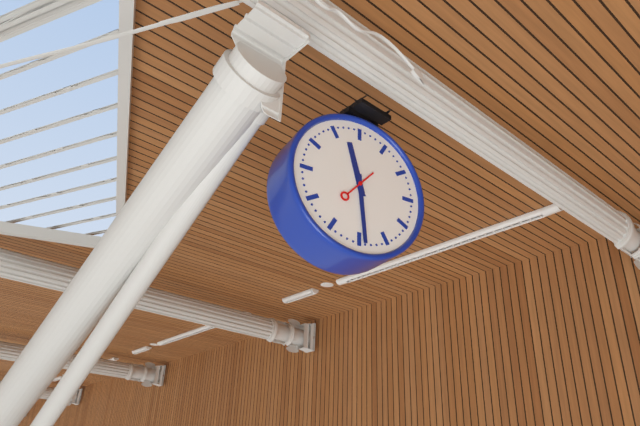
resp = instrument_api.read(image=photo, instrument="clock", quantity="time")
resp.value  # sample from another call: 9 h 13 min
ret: 11 h 29 min
